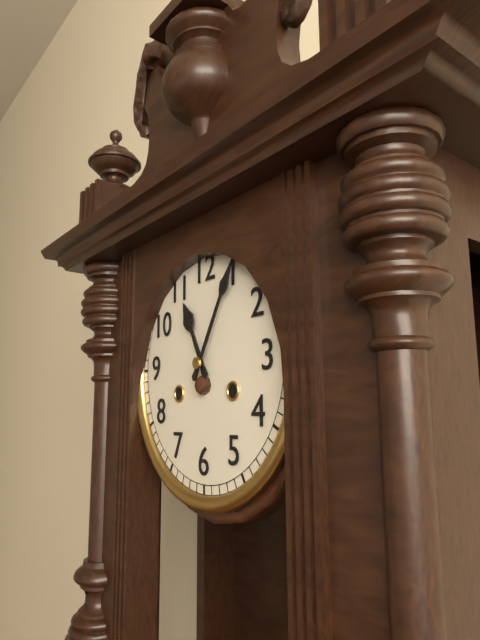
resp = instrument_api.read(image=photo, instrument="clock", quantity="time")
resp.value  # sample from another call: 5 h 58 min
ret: 11 h 05 min
